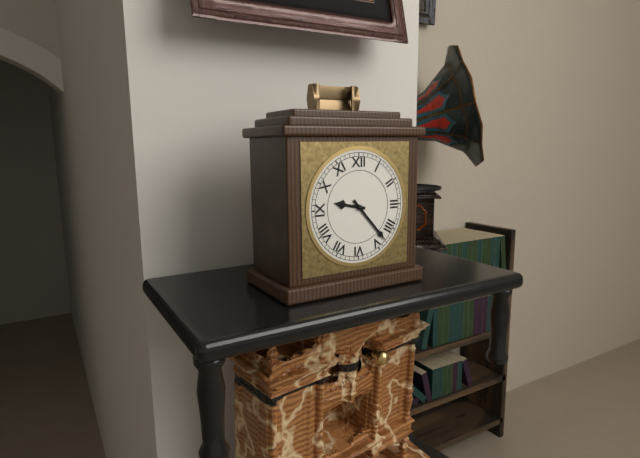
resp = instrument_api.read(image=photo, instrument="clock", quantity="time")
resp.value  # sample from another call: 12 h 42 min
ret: 9 h 23 min
